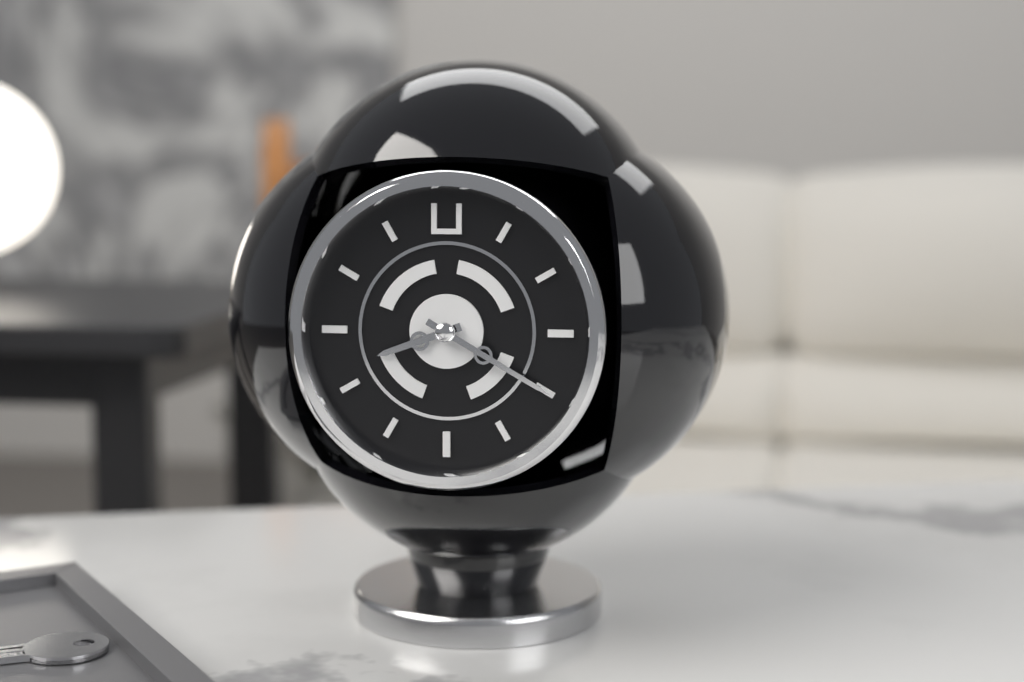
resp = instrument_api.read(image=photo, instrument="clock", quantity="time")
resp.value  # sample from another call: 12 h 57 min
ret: 8 h 20 min
